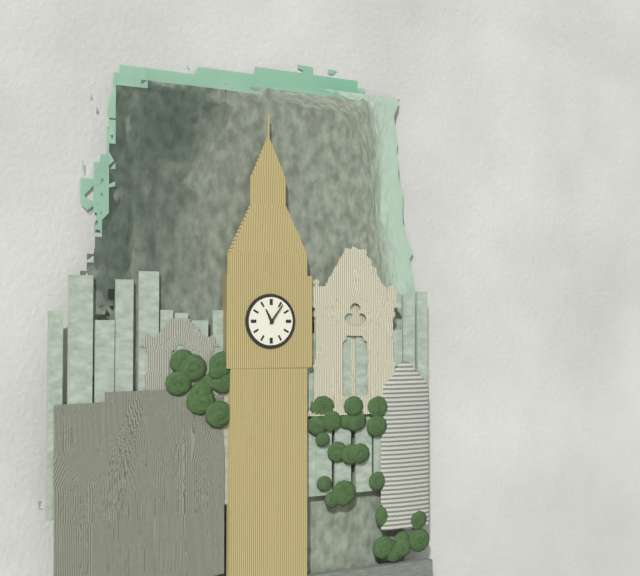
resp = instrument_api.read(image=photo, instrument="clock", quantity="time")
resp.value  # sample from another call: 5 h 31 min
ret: 11 h 06 min
